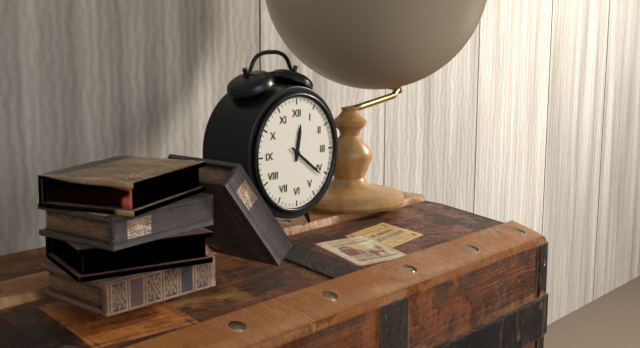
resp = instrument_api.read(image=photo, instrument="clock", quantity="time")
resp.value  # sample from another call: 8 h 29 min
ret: 12 h 21 min
